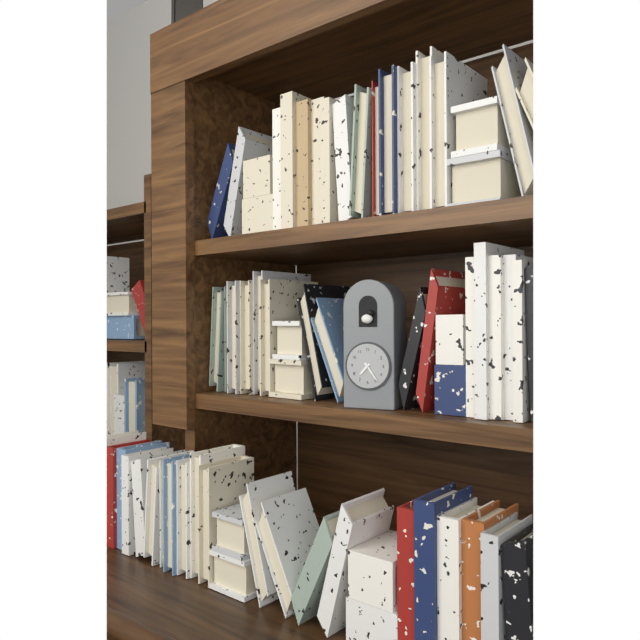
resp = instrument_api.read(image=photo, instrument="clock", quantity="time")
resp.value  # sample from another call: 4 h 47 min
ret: 7 h 24 min
